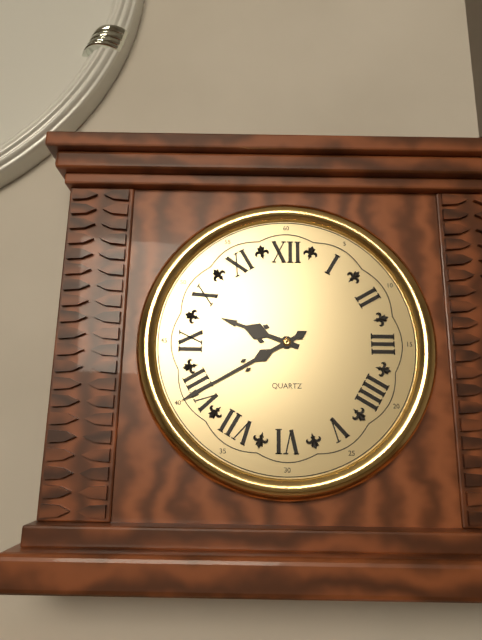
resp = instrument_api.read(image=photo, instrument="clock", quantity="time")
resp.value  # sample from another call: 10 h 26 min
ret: 9 h 40 min
